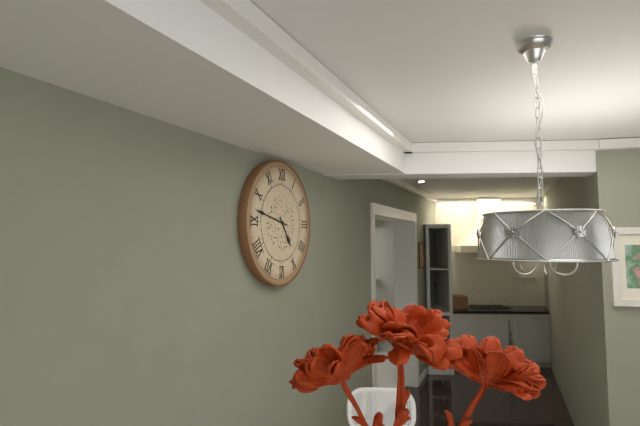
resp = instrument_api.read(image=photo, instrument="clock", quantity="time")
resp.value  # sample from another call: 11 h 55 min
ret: 4 h 47 min
